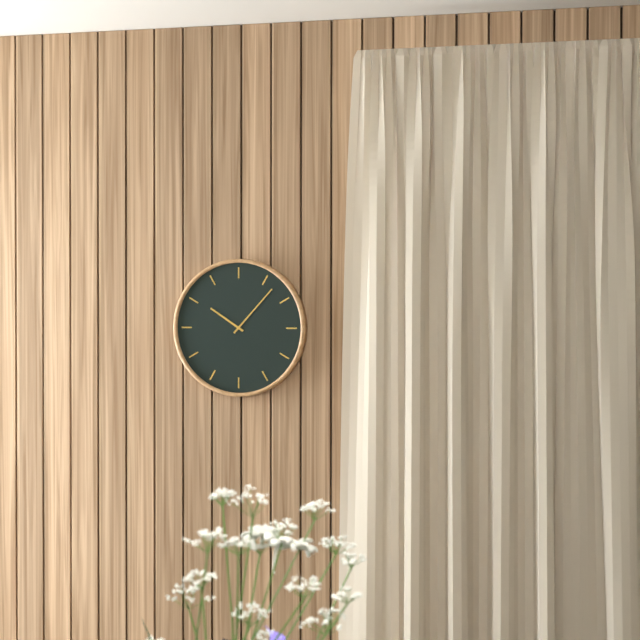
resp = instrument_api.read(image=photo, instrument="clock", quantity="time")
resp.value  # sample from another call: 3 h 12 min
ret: 10 h 07 min
